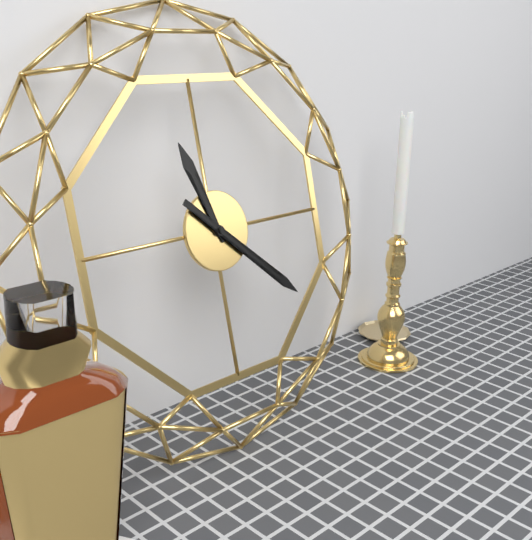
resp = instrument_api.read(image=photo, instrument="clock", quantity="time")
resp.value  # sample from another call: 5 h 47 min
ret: 11 h 22 min
